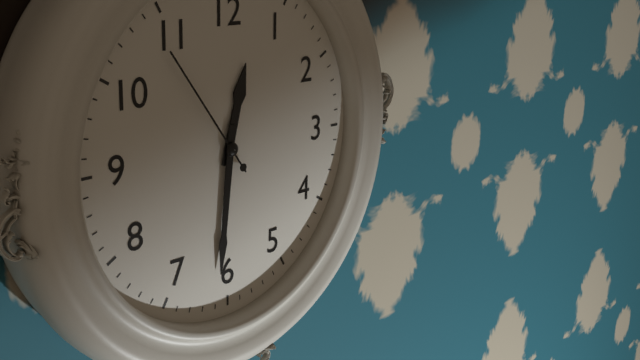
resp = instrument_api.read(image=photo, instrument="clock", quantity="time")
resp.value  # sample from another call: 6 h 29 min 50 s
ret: 12 h 31 min 54 s
